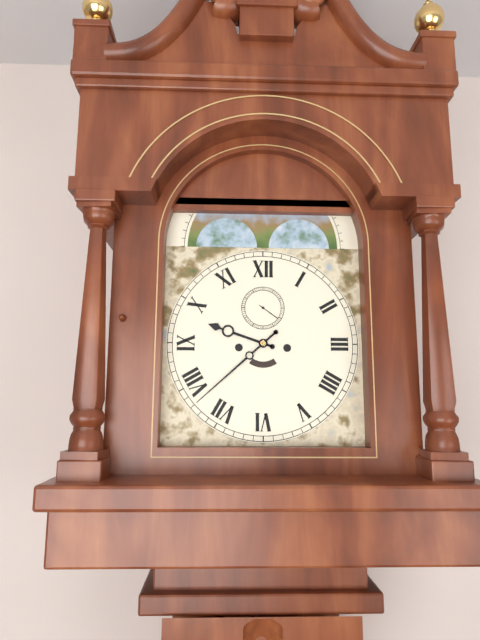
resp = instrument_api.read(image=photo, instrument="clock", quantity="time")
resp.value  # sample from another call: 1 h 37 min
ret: 9 h 38 min
